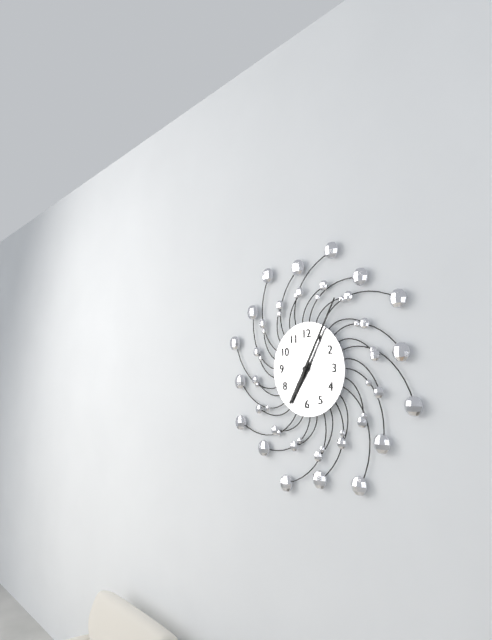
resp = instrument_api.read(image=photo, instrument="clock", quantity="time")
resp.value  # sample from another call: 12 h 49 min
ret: 7 h 05 min
